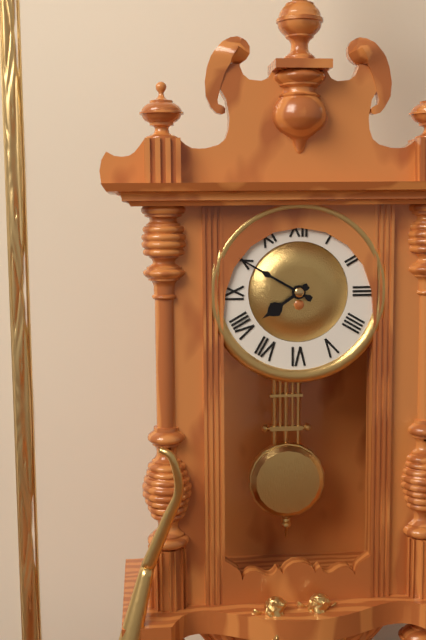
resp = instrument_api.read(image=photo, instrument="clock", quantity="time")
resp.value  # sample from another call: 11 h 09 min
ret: 7 h 50 min
